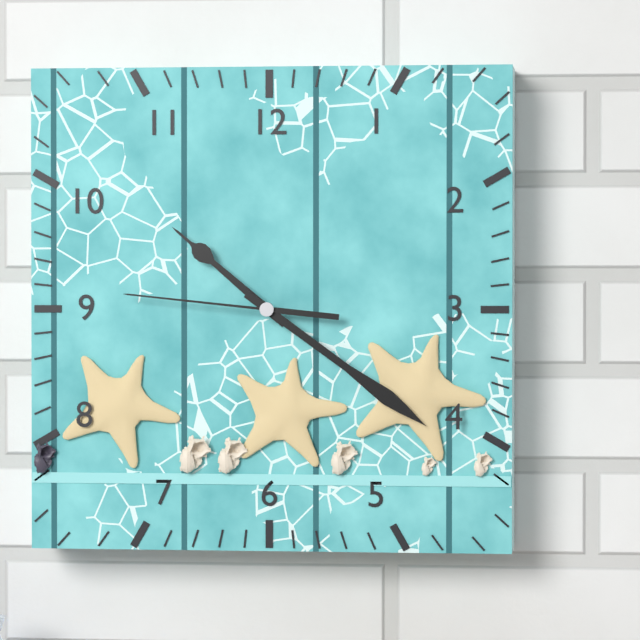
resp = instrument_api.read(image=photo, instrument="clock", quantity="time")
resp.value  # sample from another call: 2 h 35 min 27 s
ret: 10 h 21 min 46 s
